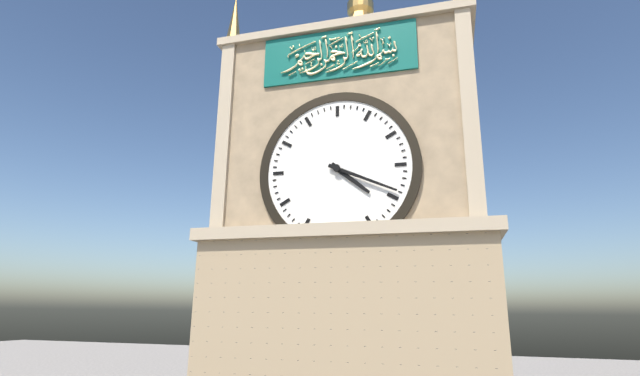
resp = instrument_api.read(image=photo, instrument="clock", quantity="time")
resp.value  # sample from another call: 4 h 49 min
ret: 4 h 19 min
